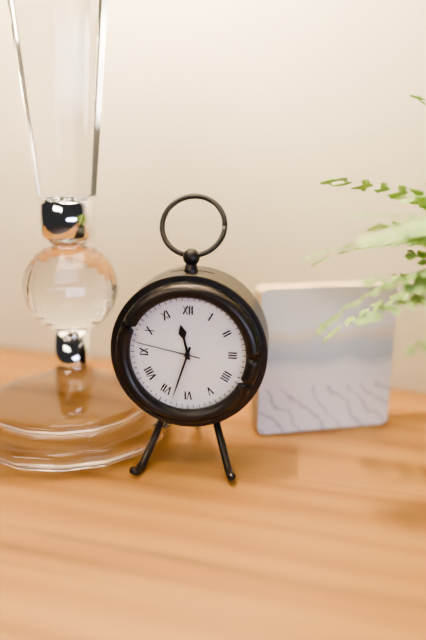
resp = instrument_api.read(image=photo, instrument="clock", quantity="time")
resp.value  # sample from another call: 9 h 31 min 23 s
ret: 11 h 33 min 47 s
